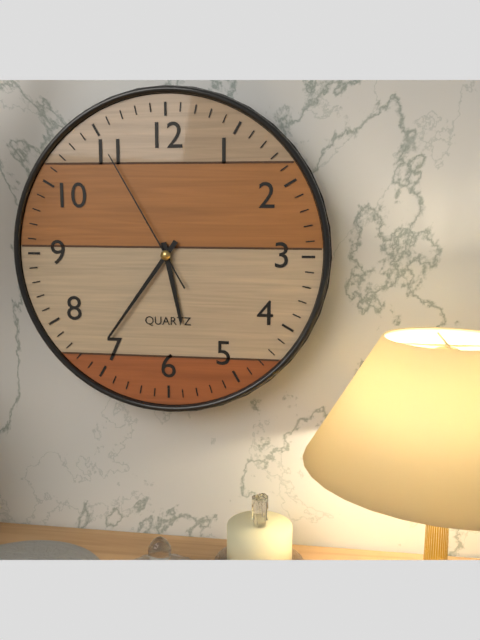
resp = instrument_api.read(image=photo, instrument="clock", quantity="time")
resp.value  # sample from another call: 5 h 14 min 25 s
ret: 5 h 36 min 55 s
